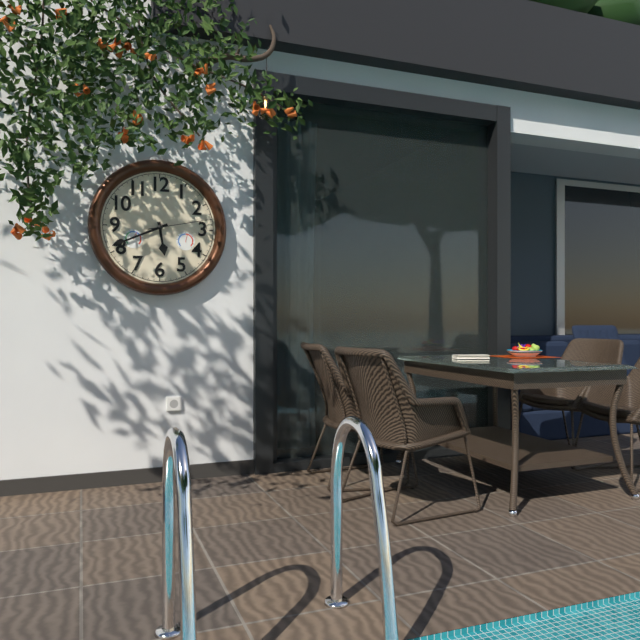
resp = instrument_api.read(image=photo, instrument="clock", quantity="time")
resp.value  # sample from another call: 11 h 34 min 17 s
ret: 5 h 41 min 13 s
